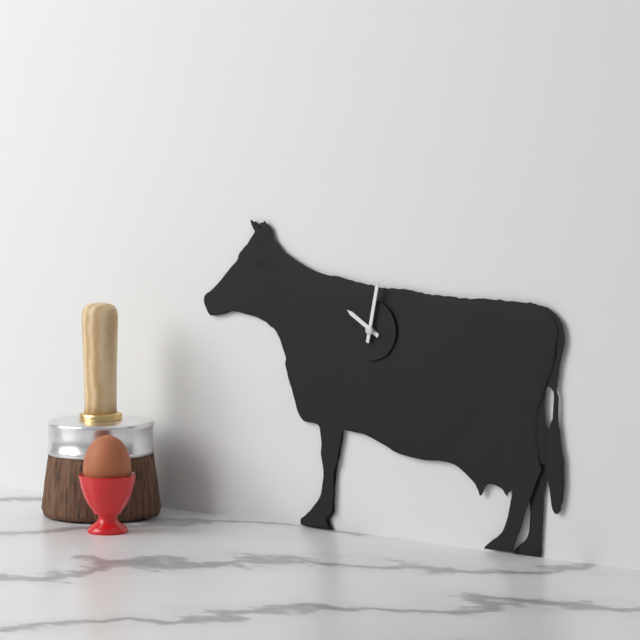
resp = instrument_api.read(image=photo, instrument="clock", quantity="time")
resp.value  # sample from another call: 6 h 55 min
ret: 10 h 02 min
